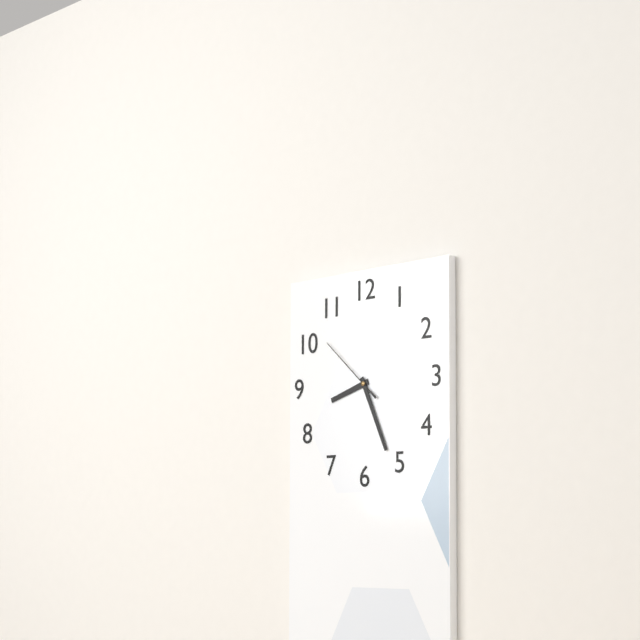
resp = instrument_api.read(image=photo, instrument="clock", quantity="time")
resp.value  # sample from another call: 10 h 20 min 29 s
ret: 8 h 26 min 52 s
